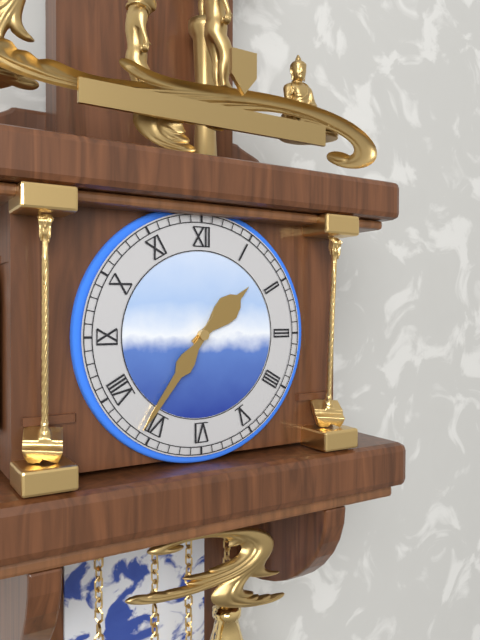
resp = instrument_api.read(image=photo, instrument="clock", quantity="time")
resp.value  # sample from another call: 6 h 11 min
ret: 1 h 36 min
